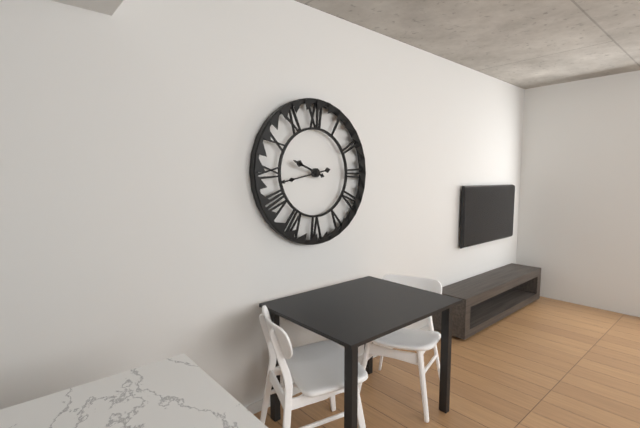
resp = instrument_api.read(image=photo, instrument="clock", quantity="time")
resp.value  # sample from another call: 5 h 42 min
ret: 9 h 43 min
